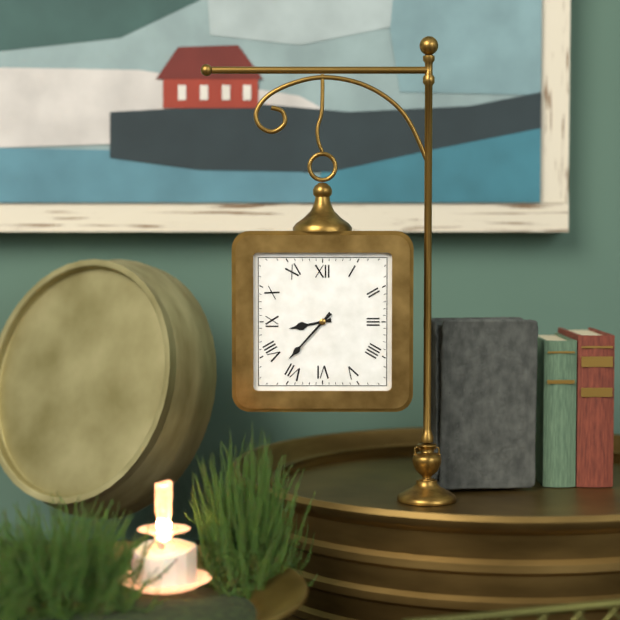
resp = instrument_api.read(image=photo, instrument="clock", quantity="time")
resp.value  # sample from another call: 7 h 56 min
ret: 8 h 37 min
